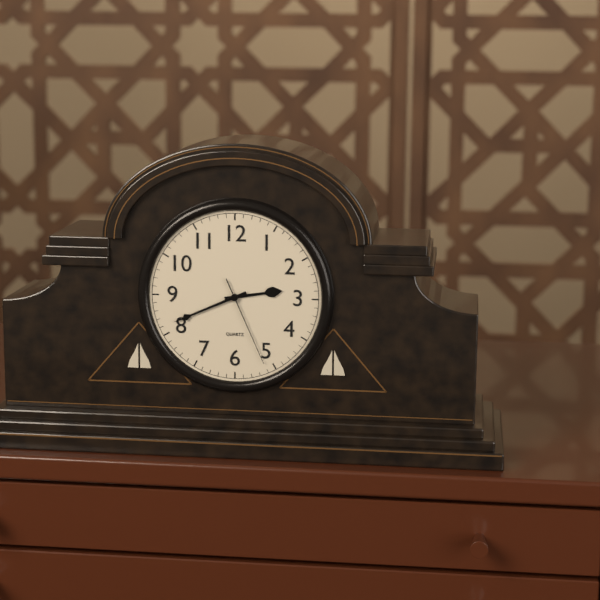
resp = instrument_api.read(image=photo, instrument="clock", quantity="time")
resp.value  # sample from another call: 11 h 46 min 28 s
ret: 2 h 41 min 26 s
